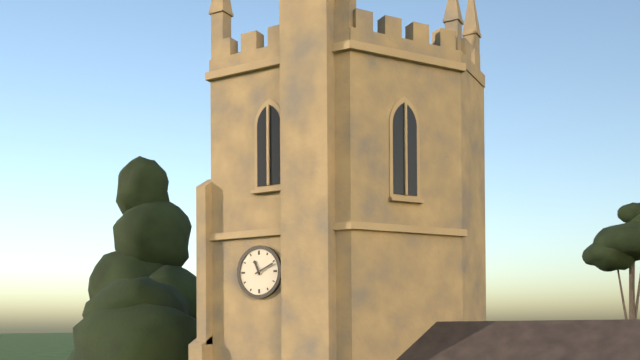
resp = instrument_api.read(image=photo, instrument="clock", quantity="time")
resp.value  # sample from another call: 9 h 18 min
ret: 11 h 11 min
